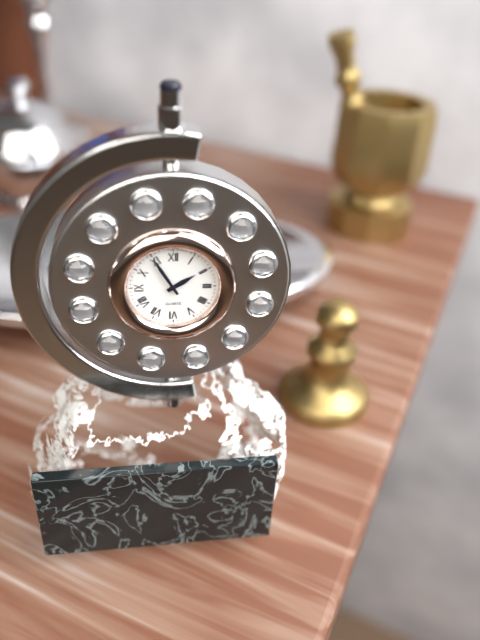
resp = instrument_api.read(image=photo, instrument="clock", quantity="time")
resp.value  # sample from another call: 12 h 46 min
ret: 1 h 55 min
